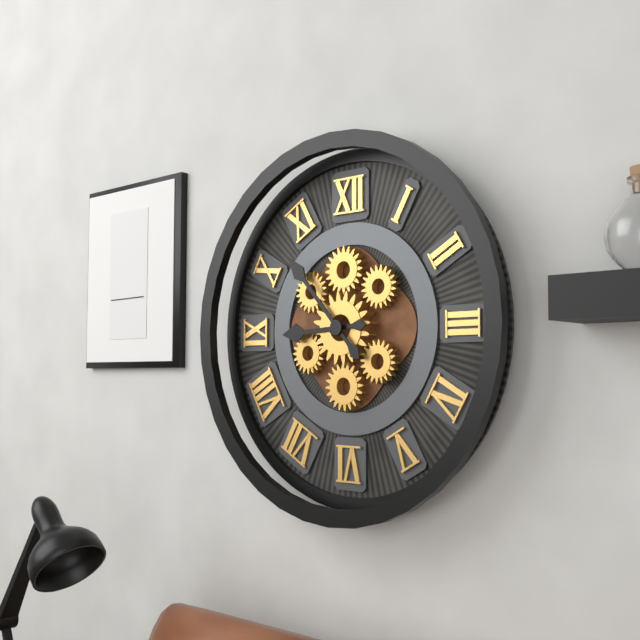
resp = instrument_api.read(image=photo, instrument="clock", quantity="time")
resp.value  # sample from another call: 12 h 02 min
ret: 8 h 53 min
